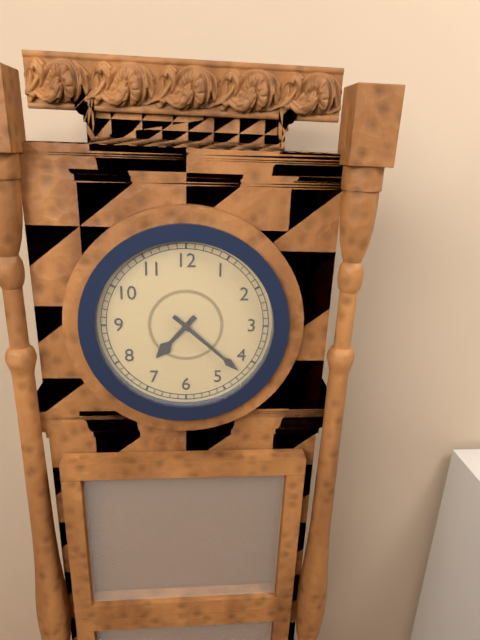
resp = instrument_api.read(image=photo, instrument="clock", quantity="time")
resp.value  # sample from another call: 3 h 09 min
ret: 7 h 22 min
